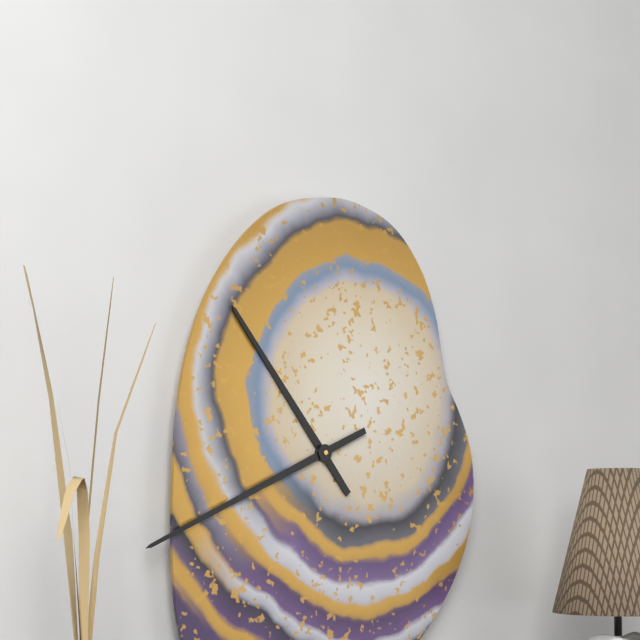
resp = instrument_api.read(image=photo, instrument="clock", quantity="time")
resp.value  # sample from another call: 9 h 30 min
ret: 10 h 41 min
